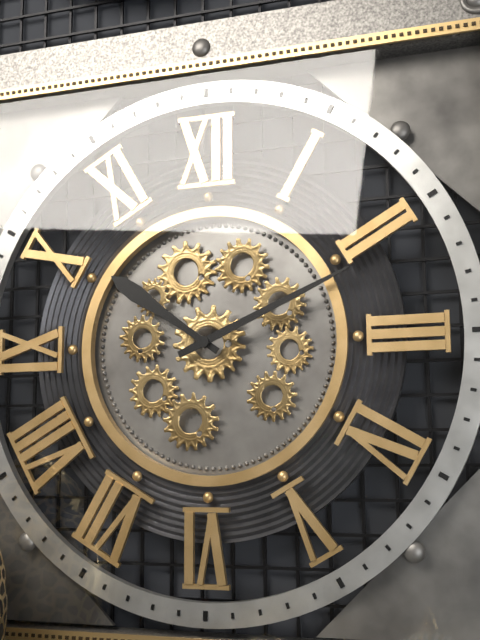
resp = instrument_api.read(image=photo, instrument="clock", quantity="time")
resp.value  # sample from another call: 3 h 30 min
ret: 10 h 11 min
